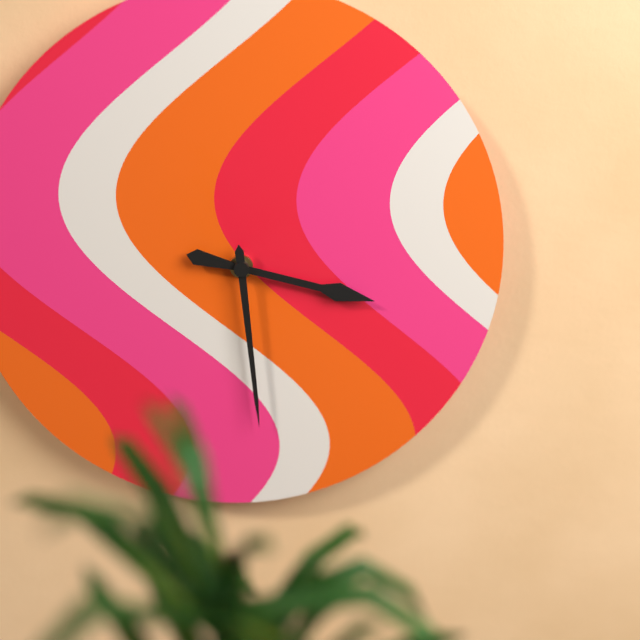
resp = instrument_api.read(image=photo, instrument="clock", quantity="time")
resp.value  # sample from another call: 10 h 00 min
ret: 3 h 29 min
